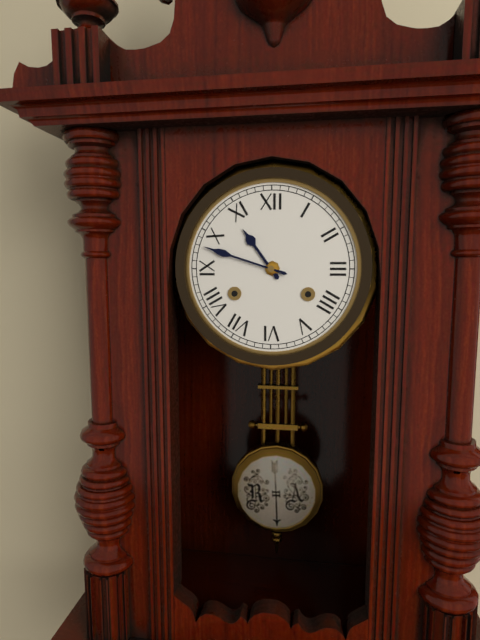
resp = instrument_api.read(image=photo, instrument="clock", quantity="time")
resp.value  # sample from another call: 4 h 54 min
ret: 10 h 48 min
